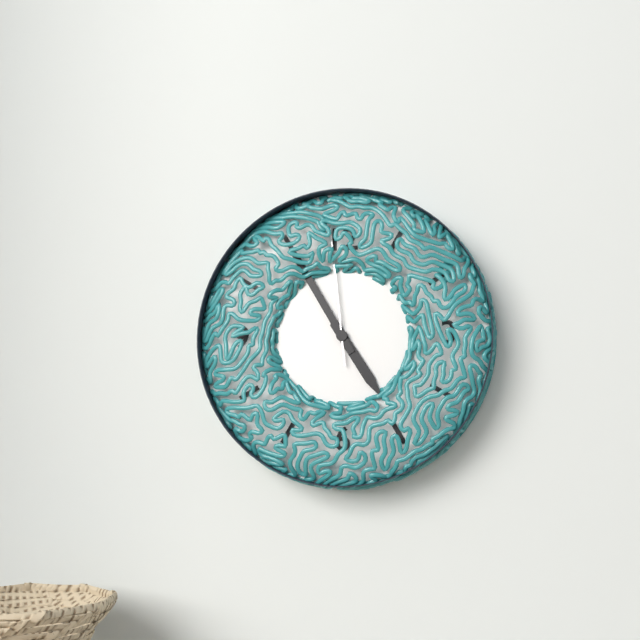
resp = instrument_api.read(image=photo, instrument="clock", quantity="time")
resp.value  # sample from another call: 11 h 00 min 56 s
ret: 4 h 55 min 59 s
